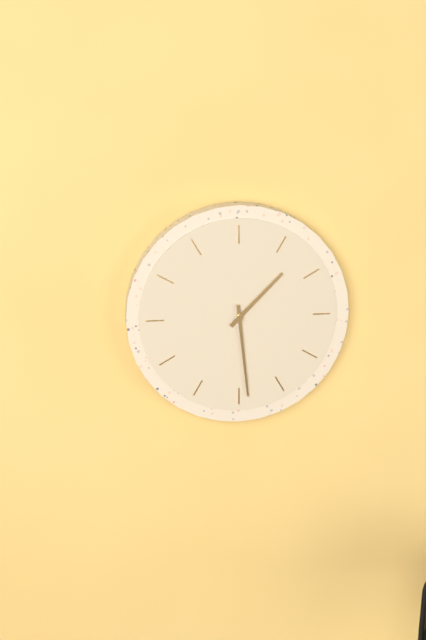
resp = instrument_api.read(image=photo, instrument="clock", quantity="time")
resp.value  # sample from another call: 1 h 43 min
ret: 1 h 29 min
